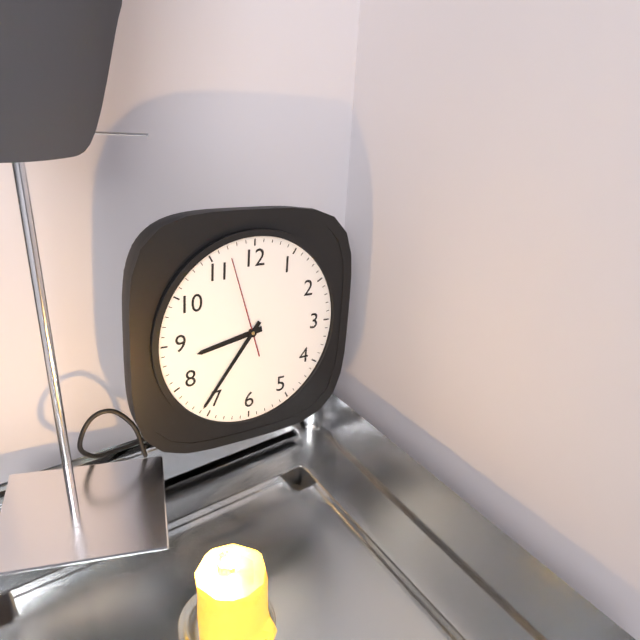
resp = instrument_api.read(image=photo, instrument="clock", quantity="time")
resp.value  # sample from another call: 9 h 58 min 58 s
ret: 8 h 36 min 57 s
